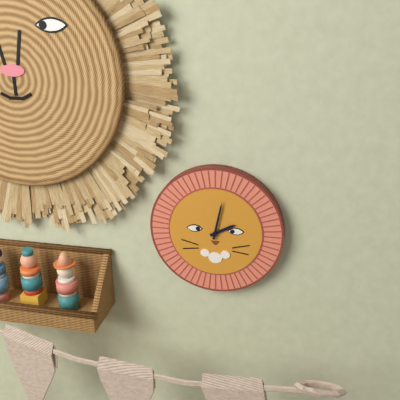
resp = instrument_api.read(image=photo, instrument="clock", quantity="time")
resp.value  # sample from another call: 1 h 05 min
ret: 2 h 02 min
